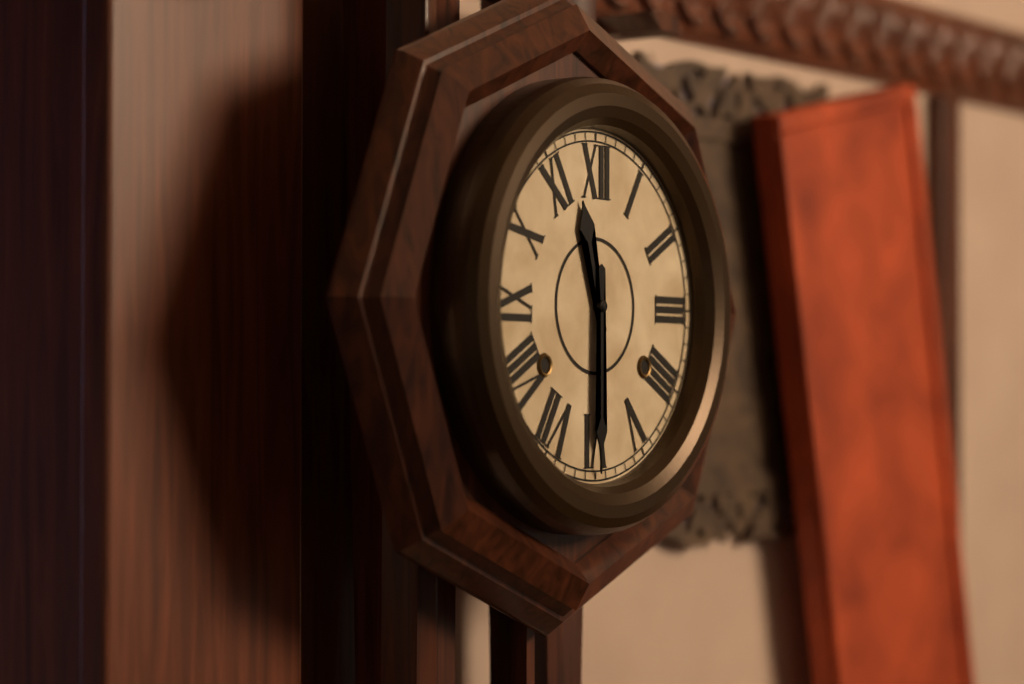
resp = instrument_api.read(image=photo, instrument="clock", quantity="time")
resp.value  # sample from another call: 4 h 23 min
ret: 11 h 30 min
